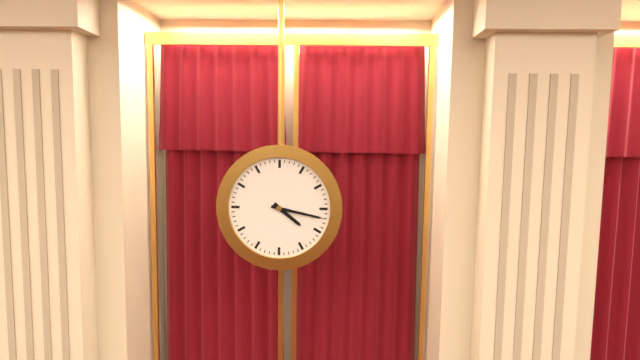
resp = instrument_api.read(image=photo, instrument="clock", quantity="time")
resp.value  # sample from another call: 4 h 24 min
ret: 4 h 17 min
